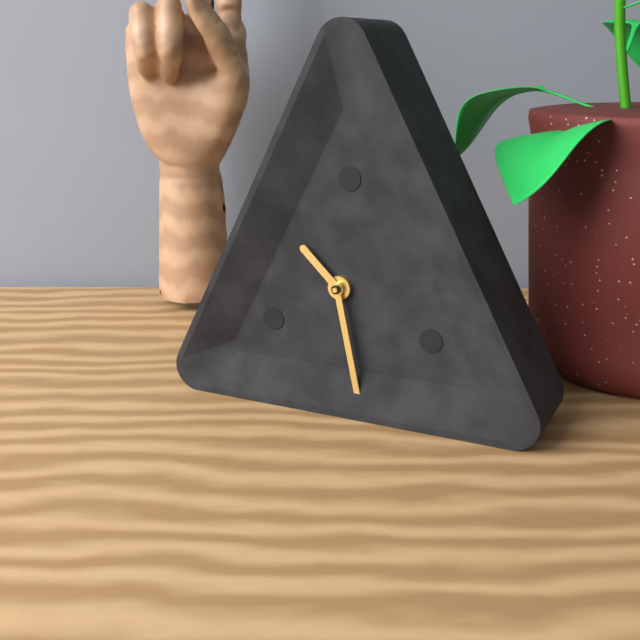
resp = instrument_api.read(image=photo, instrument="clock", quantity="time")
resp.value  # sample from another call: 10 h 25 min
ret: 10 h 28 min
